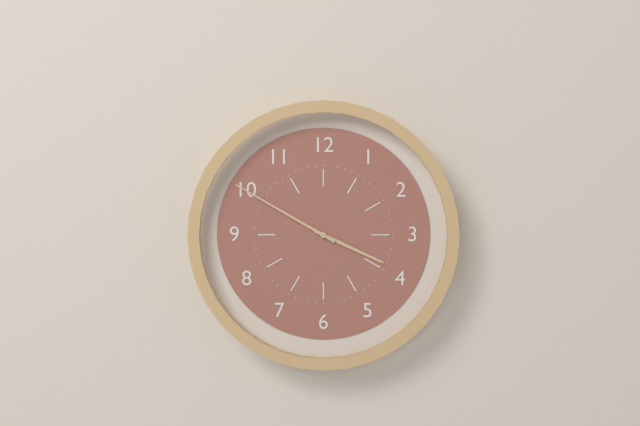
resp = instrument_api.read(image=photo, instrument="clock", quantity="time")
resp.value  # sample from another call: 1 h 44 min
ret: 3 h 50 min
